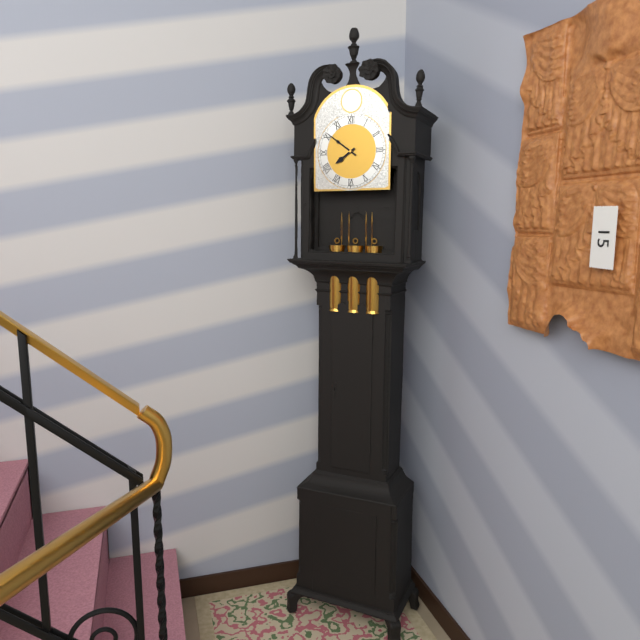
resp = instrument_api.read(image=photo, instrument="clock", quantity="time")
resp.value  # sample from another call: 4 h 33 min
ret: 7 h 51 min
